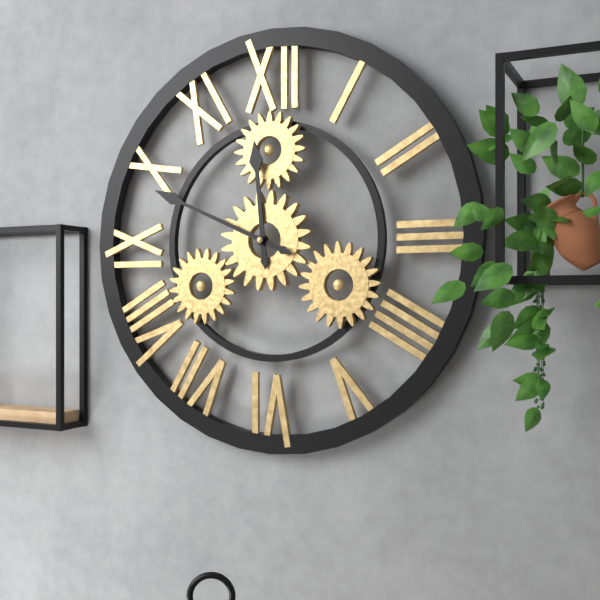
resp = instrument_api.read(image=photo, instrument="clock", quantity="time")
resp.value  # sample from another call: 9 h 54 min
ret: 11 h 49 min
